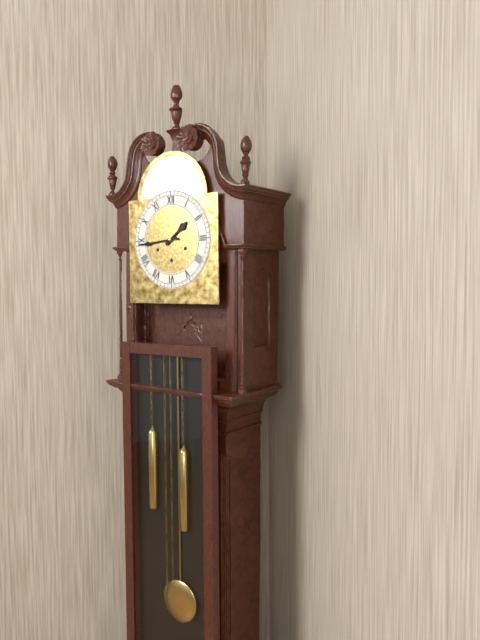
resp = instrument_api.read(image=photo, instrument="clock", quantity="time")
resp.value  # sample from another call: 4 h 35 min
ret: 1 h 44 min
